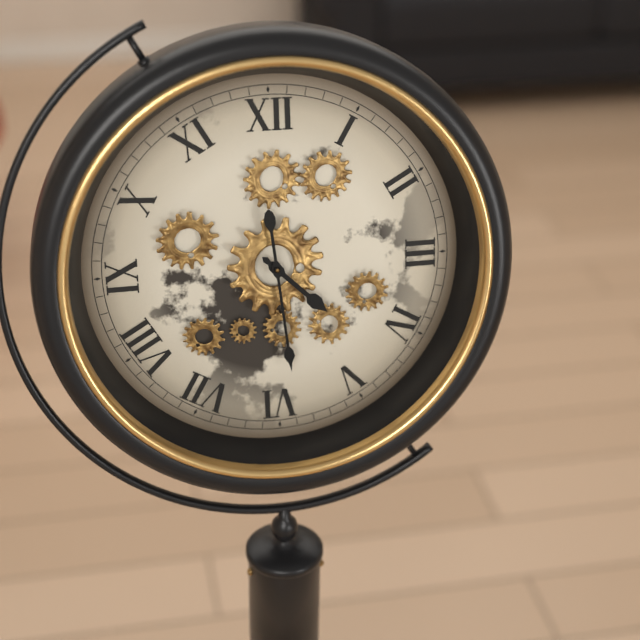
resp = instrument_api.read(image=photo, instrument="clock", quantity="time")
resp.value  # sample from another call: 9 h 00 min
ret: 4 h 29 min
